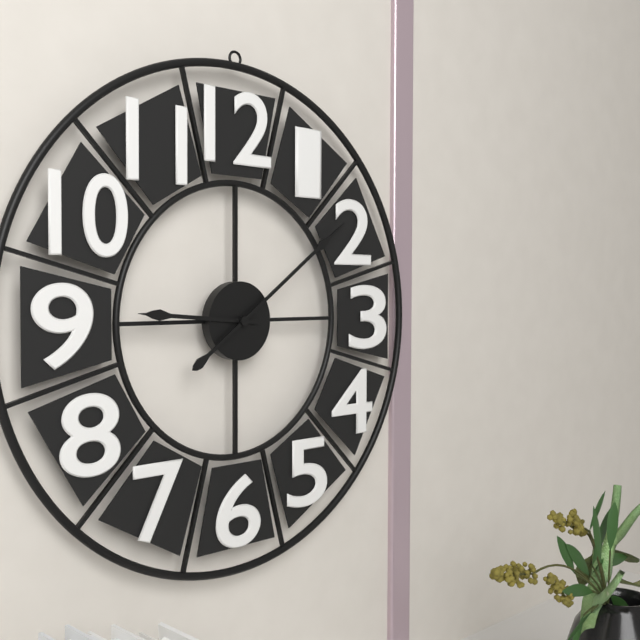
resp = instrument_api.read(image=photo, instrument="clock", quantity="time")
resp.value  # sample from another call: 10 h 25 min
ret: 9 h 09 min
